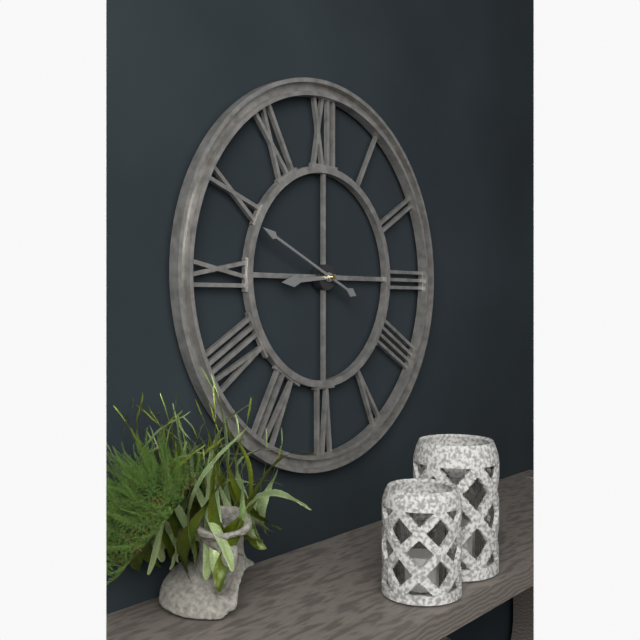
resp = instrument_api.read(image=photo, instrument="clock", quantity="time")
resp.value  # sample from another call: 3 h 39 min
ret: 8 h 49 min
